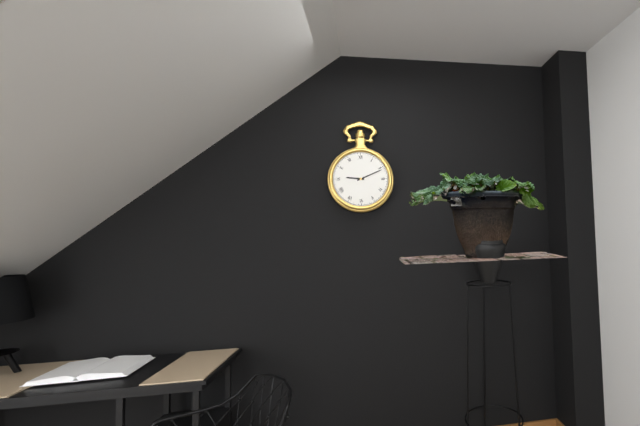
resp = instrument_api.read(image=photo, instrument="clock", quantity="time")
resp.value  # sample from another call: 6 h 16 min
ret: 9 h 11 min
